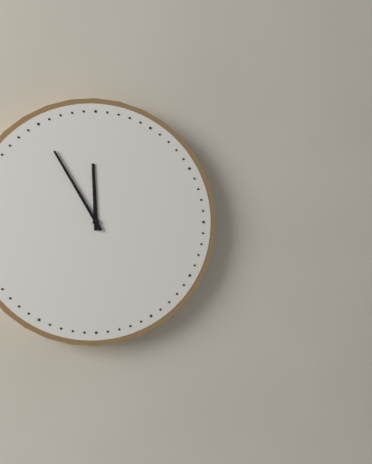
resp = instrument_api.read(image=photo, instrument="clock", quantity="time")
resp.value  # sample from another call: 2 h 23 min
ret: 11 h 55 min
